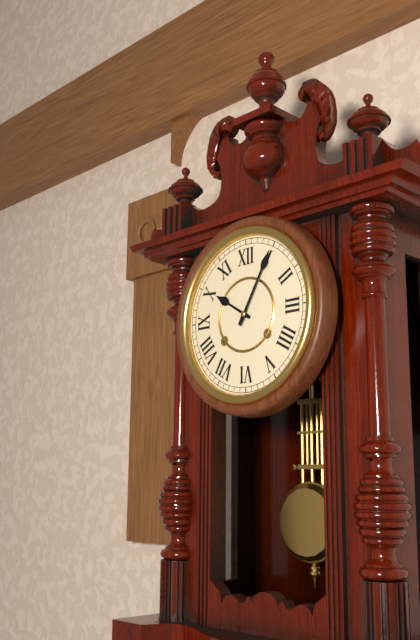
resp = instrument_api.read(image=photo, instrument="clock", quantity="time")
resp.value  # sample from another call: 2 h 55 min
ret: 10 h 05 min
